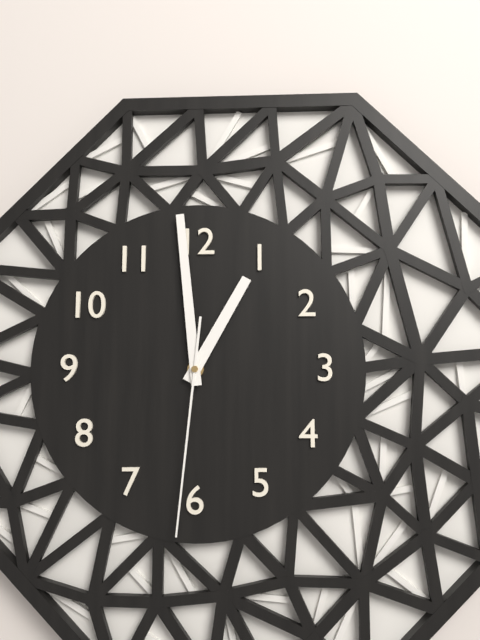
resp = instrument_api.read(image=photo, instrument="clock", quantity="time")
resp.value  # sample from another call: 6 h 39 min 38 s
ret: 12 h 59 min 31 s
